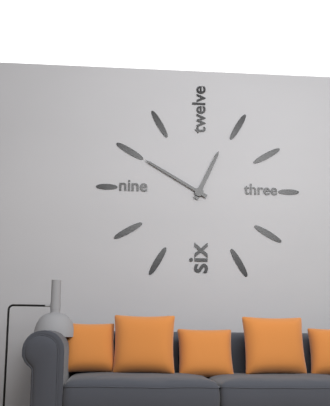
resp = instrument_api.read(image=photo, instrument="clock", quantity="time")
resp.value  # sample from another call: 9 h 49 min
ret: 12 h 50 min
